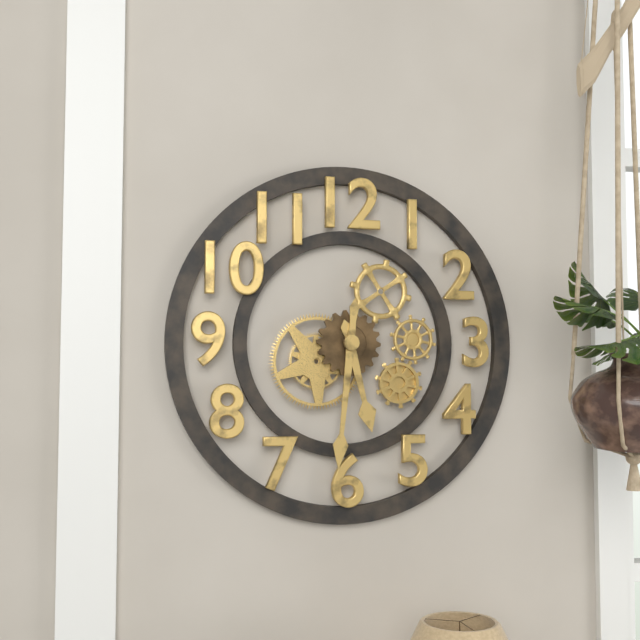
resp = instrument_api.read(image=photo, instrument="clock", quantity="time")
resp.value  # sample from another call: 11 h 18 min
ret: 5 h 31 min
